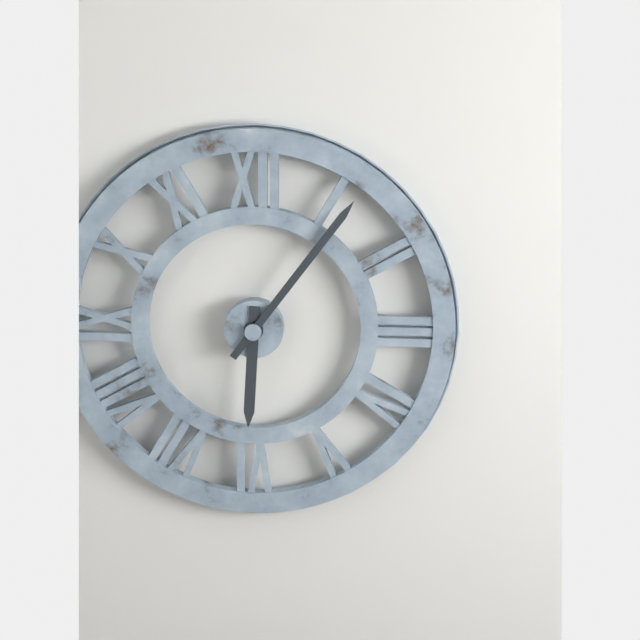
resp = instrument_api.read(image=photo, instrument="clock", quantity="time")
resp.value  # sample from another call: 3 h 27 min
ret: 6 h 06 min
